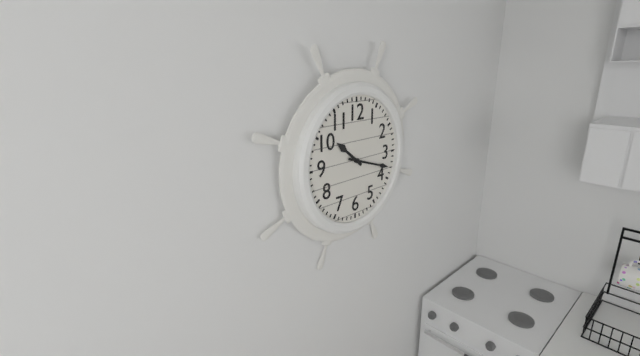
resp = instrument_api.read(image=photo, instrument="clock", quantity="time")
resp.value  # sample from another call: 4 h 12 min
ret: 10 h 18 min
